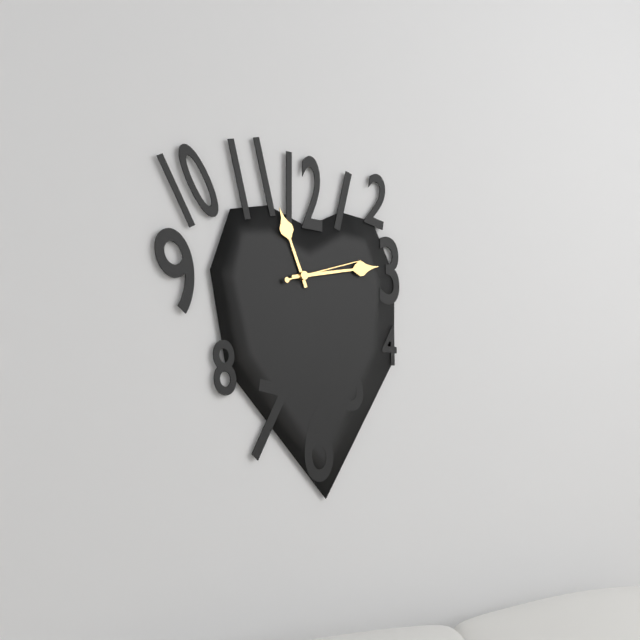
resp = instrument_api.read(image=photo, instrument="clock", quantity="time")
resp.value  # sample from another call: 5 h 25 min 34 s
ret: 11 h 13 min 12 s
